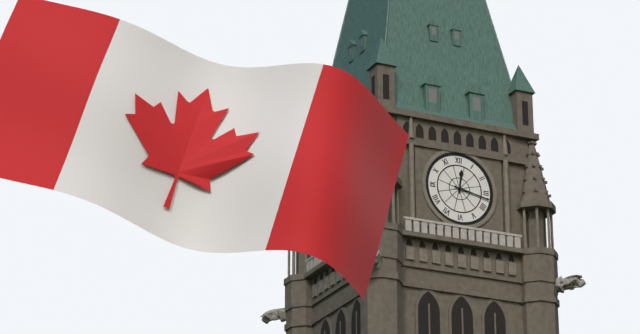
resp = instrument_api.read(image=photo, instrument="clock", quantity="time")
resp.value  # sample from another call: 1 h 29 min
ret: 12 h 17 min
